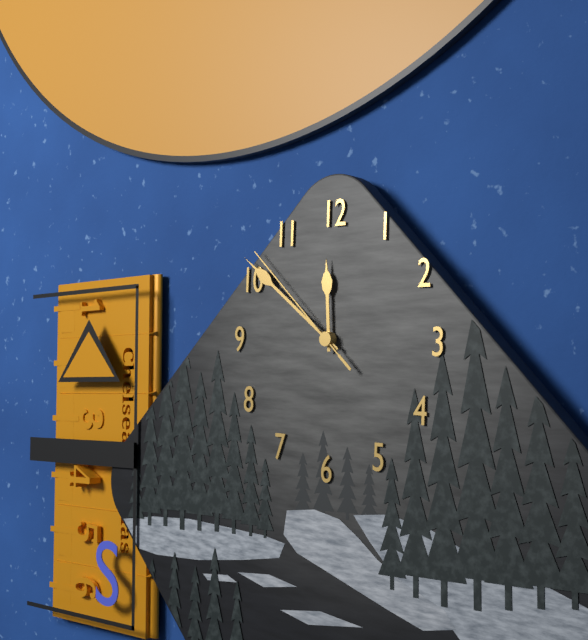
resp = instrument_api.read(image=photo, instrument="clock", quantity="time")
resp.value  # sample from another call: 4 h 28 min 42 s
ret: 11 h 51 min 52 s
